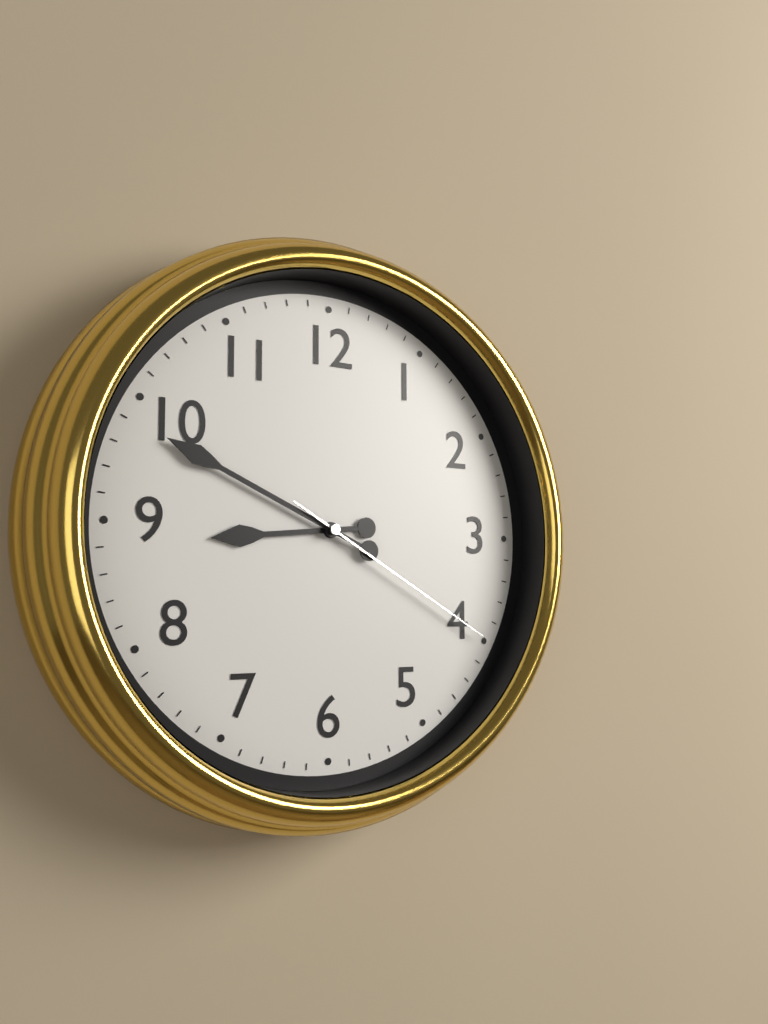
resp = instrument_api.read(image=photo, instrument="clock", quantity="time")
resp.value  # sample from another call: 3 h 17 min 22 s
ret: 8 h 49 min 20 s
